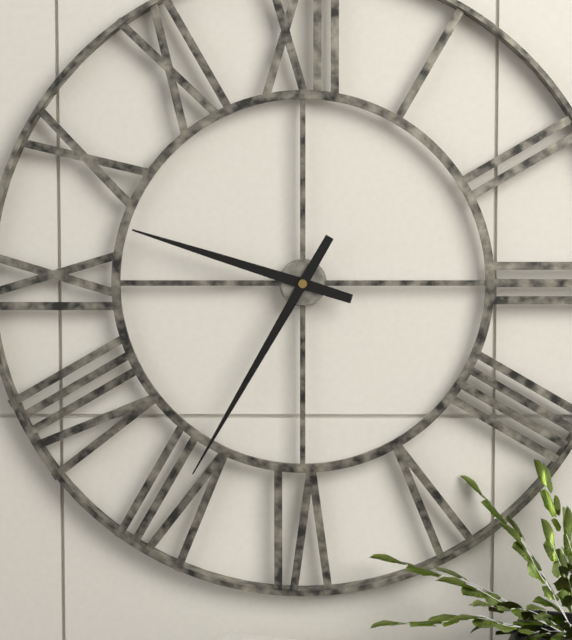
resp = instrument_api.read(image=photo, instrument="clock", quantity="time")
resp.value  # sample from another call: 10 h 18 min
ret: 9 h 35 min
